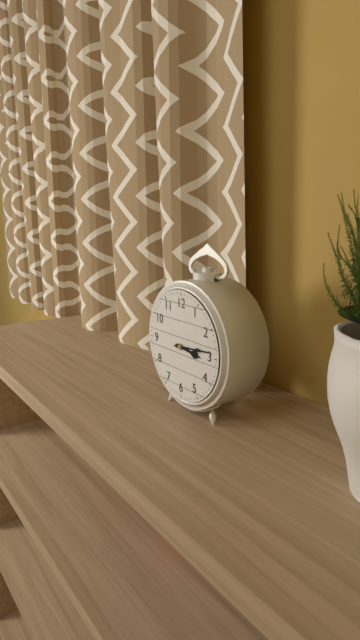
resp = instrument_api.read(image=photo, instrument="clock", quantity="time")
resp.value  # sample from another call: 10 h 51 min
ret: 3 h 14 min
